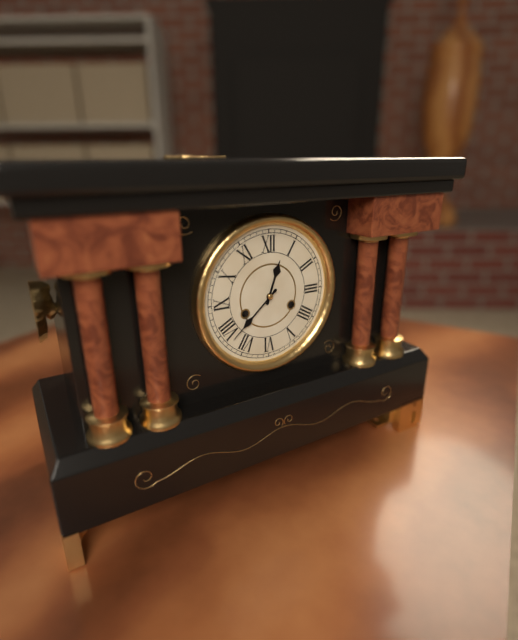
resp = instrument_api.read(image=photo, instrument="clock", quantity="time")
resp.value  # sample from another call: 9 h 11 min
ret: 12 h 38 min
